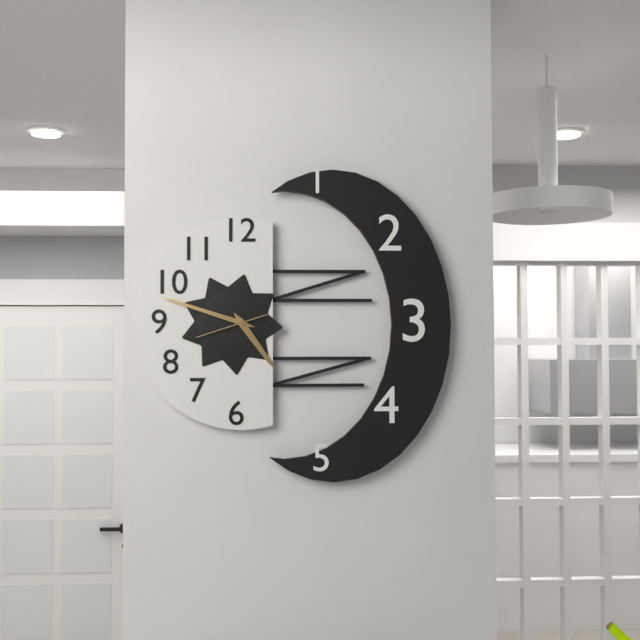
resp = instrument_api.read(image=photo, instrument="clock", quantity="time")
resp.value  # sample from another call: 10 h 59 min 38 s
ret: 4 h 48 min 42 s
